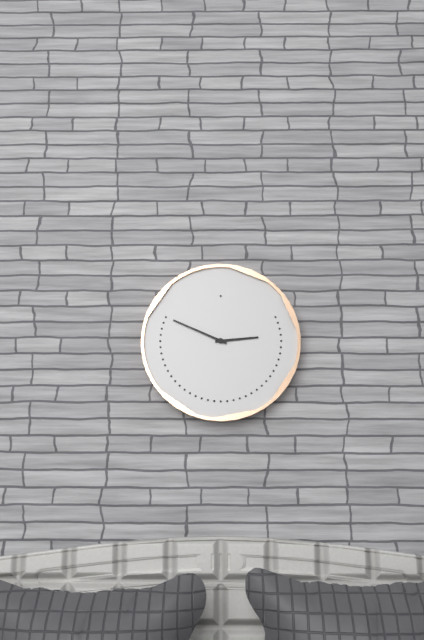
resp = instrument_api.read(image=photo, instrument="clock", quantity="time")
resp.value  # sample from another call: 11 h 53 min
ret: 2 h 49 min
